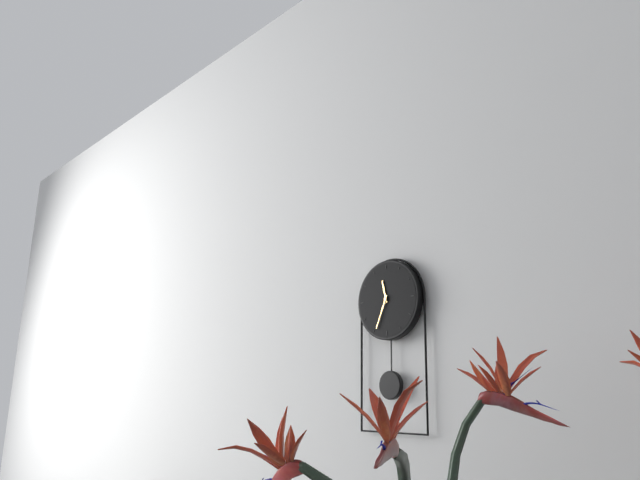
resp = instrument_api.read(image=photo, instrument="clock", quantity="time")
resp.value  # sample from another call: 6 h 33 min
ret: 11 h 34 min
